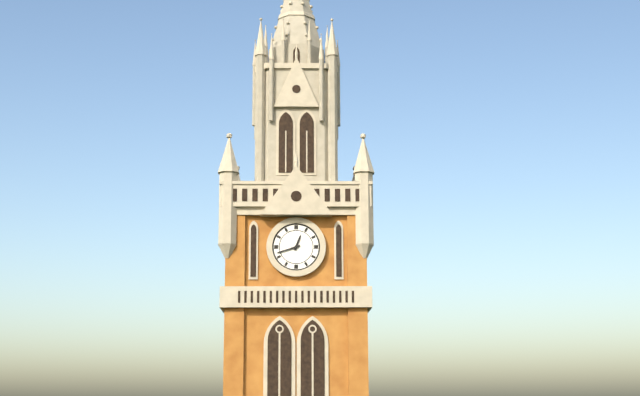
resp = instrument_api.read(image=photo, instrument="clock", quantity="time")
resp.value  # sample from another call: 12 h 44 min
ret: 12 h 42 min
